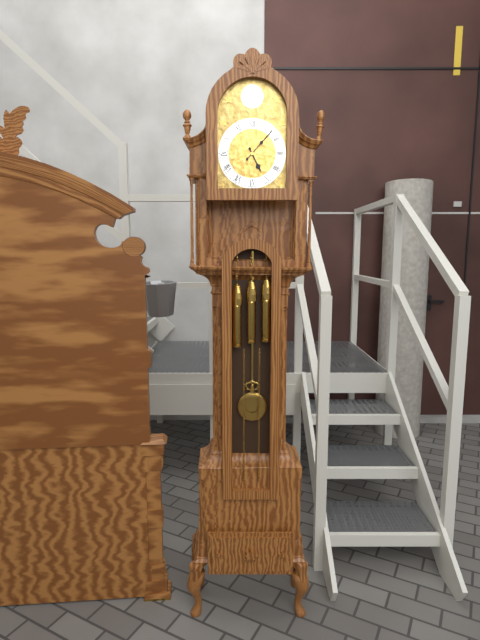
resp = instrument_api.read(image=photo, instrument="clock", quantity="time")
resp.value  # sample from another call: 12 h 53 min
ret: 5 h 07 min
